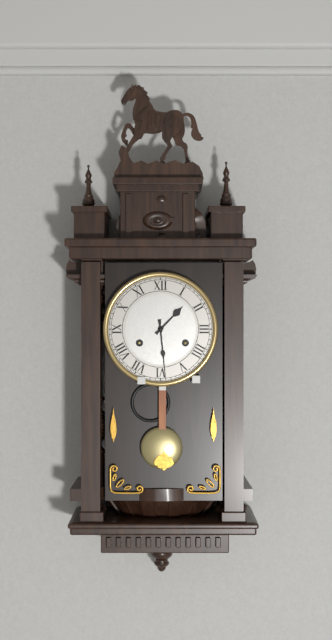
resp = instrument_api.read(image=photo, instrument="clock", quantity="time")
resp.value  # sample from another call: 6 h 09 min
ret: 1 h 29 min
